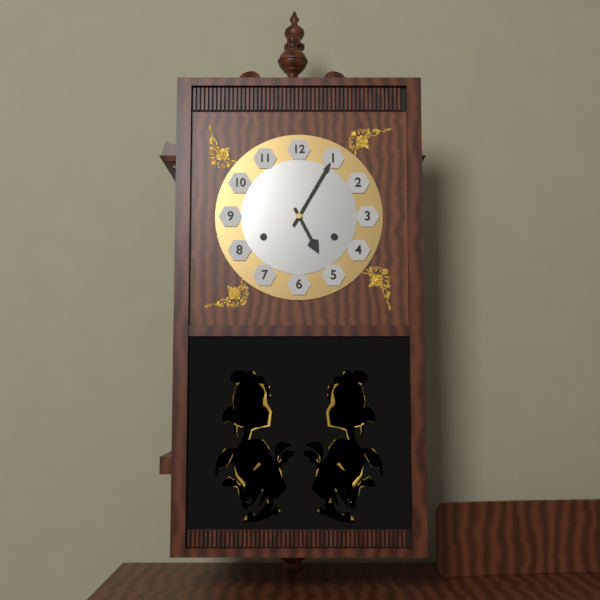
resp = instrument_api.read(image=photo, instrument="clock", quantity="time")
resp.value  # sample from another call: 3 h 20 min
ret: 5 h 05 min
